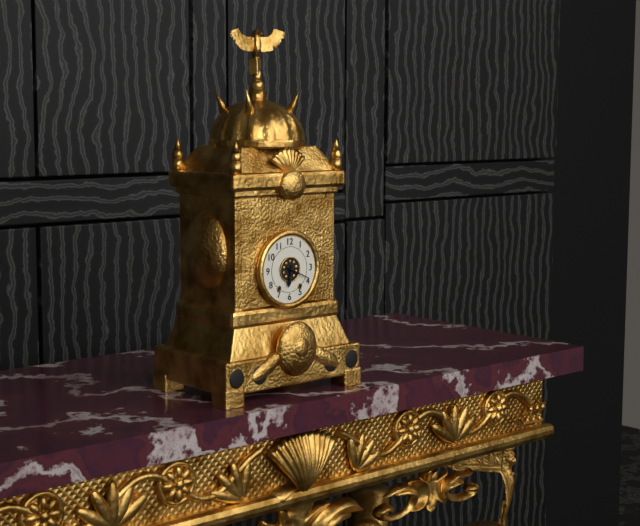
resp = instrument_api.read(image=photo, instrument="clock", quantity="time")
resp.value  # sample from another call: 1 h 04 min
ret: 6 h 19 min
